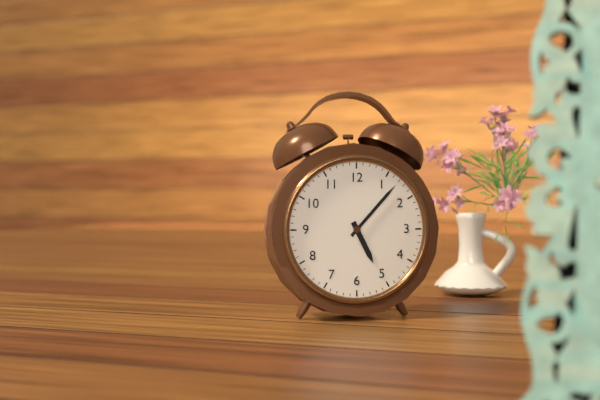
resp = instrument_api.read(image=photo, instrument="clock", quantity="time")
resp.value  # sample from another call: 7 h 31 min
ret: 5 h 07 min
